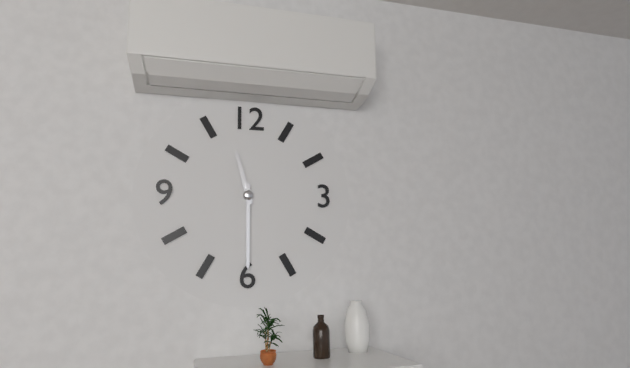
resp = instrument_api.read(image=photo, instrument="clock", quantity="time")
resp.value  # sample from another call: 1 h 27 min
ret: 11 h 30 min
